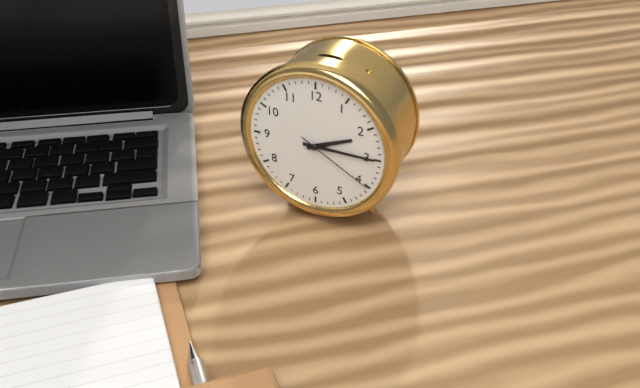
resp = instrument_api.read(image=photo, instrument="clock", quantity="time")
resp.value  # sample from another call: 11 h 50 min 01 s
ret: 2 h 15 min 20 s
